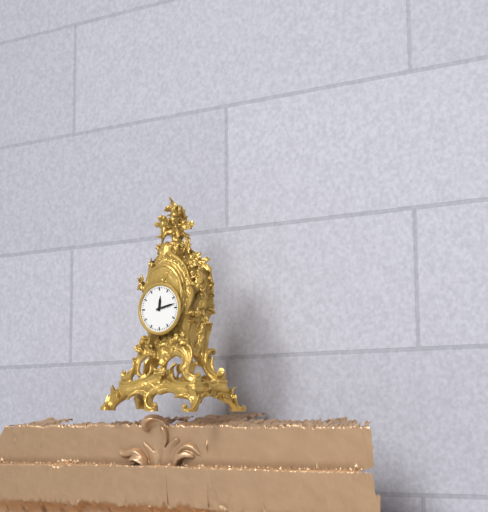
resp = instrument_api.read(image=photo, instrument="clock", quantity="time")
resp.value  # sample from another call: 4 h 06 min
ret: 12 h 13 min
